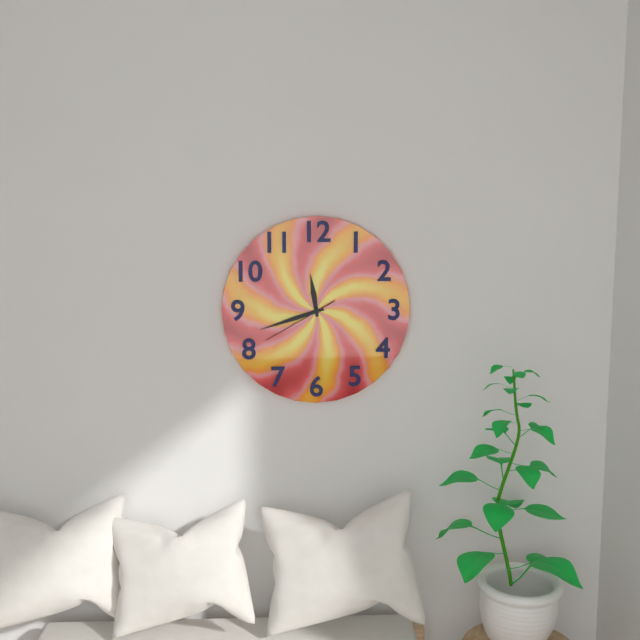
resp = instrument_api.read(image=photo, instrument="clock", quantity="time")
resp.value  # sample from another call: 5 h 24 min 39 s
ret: 11 h 42 min 40 s
